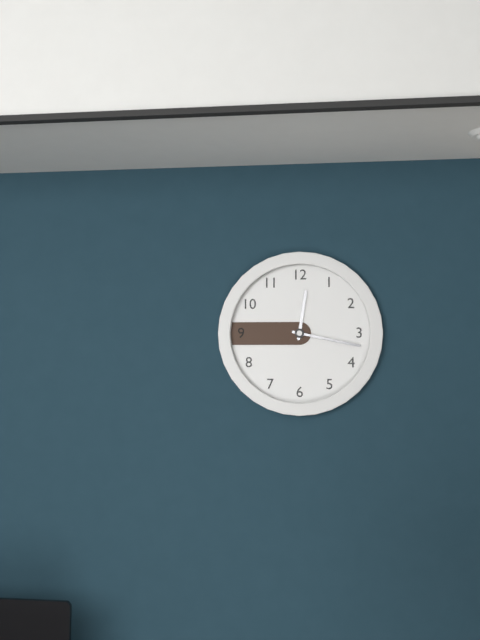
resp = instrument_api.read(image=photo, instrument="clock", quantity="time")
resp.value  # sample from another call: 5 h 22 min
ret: 12 h 17 min
